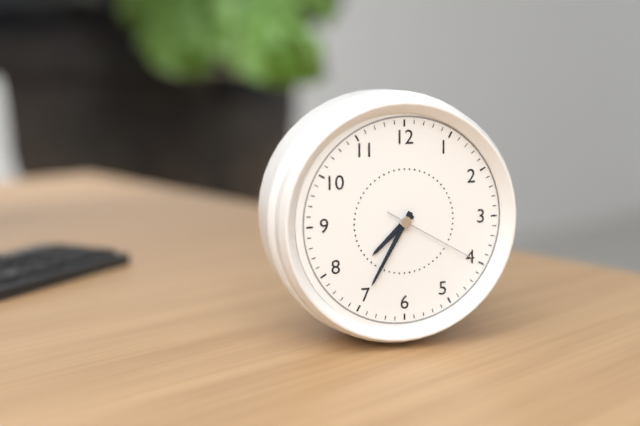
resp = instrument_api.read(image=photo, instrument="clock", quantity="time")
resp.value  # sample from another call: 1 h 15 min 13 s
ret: 7 h 35 min 20 s
